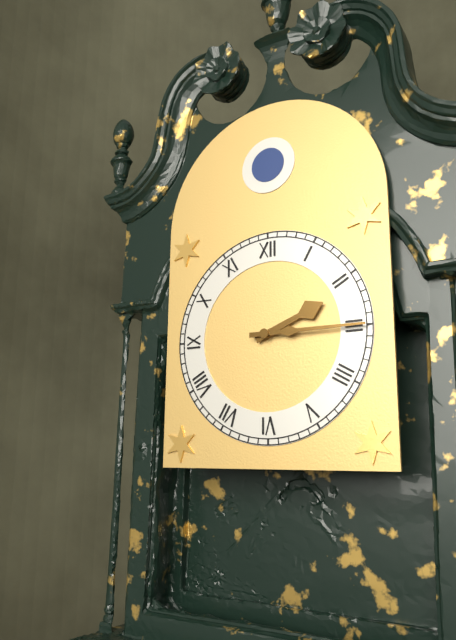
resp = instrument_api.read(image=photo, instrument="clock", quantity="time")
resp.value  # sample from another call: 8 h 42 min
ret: 2 h 15 min
